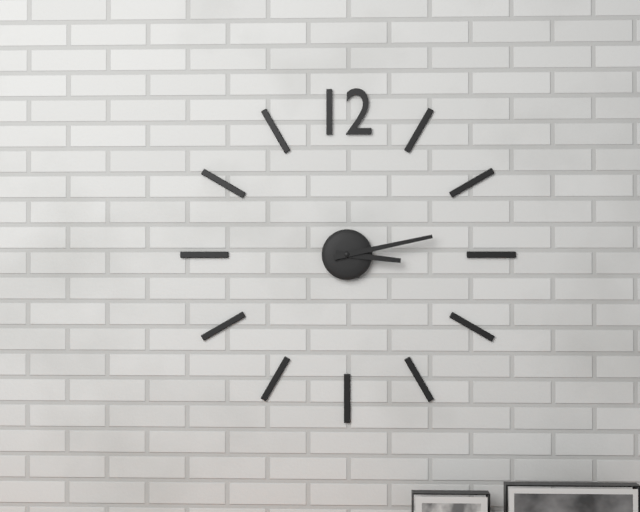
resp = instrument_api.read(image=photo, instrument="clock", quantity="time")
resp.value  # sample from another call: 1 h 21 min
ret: 3 h 13 min
